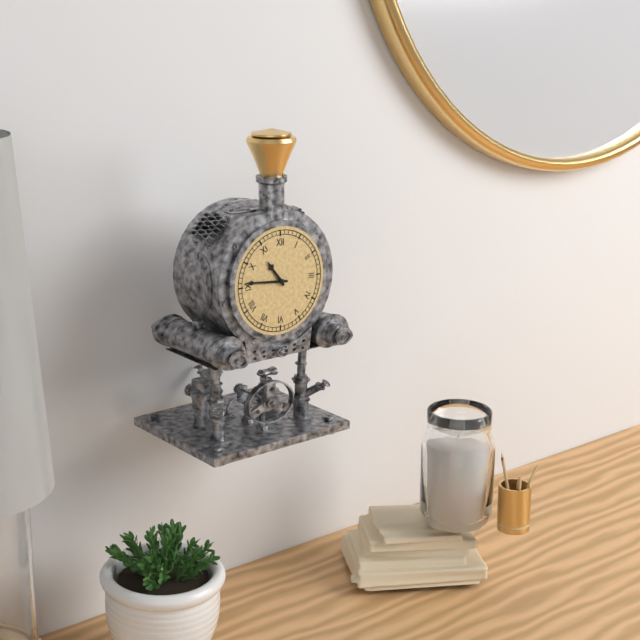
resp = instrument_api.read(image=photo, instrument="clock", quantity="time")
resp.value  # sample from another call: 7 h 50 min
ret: 10 h 46 min
